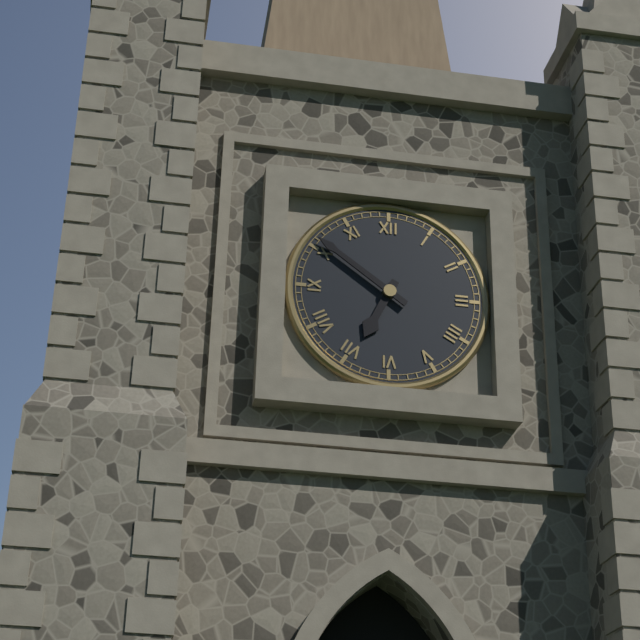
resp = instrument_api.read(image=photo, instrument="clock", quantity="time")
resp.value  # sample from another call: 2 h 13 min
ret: 6 h 51 min
